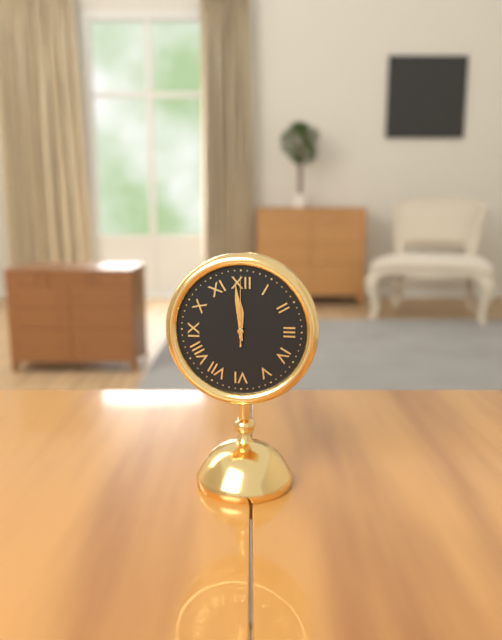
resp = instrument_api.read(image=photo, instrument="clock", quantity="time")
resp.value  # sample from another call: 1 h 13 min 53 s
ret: 11 h 59 min 00 s
